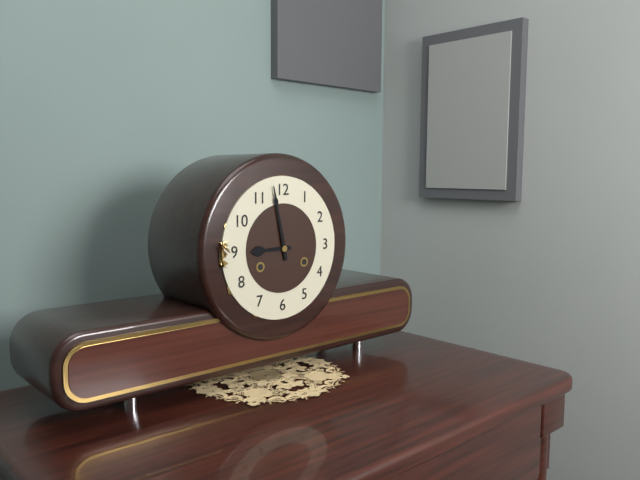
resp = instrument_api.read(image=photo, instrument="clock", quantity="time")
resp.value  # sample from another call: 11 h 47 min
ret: 8 h 58 min
